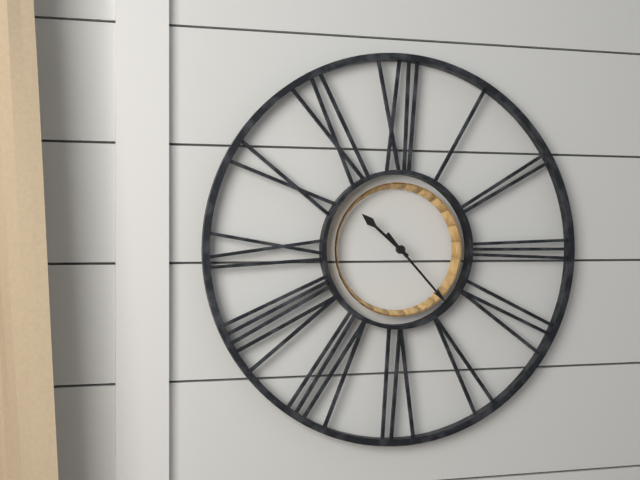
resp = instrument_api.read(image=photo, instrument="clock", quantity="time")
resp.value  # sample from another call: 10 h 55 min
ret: 10 h 23 min
